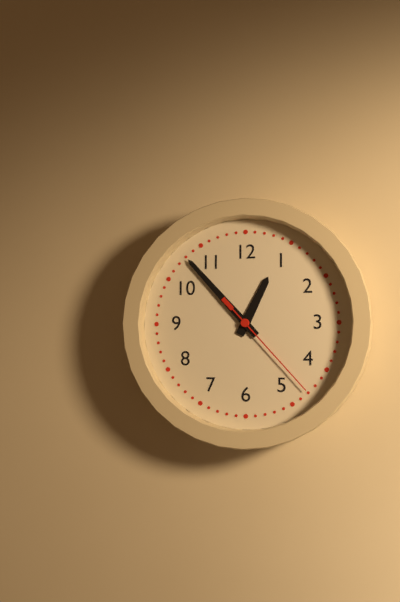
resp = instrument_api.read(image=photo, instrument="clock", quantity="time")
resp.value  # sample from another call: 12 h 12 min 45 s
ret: 12 h 53 min 23 s
